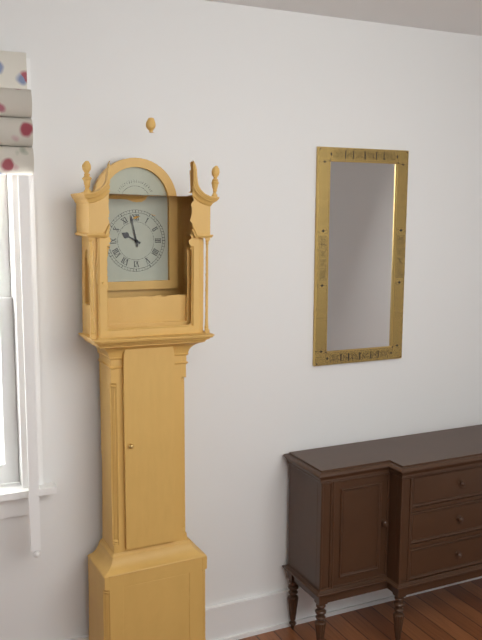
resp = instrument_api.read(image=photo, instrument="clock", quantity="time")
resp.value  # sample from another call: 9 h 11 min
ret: 9 h 58 min
